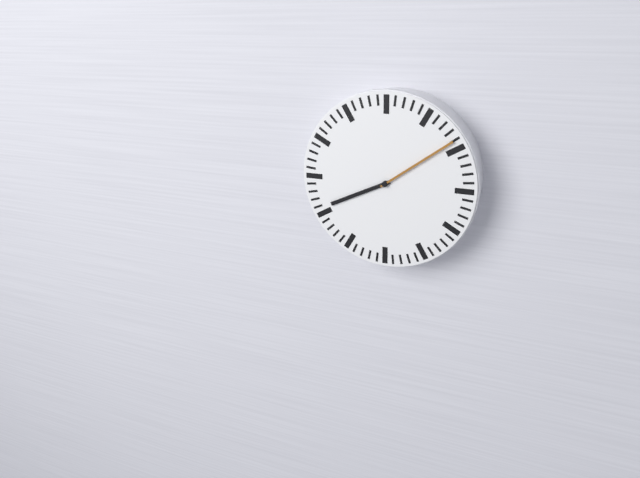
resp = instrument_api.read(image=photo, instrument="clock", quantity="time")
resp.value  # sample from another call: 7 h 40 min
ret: 8 h 09 min
